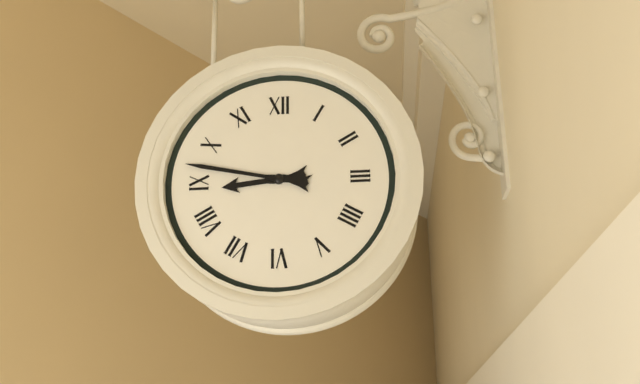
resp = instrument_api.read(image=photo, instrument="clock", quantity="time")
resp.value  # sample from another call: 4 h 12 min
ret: 8 h 47 min
